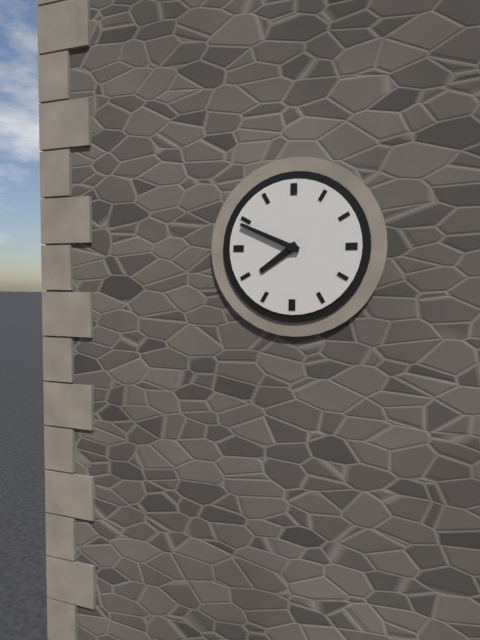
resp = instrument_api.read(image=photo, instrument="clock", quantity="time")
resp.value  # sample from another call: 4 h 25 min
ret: 7 h 49 min
